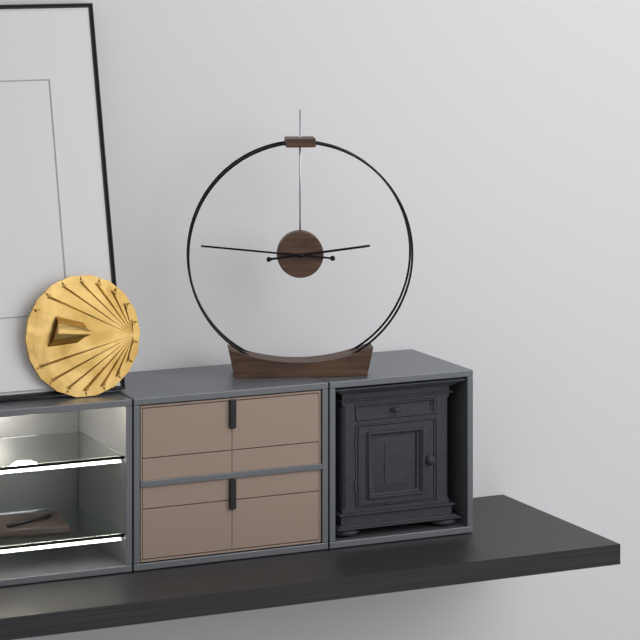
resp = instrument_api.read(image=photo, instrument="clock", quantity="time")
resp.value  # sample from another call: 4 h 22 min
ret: 2 h 46 min
